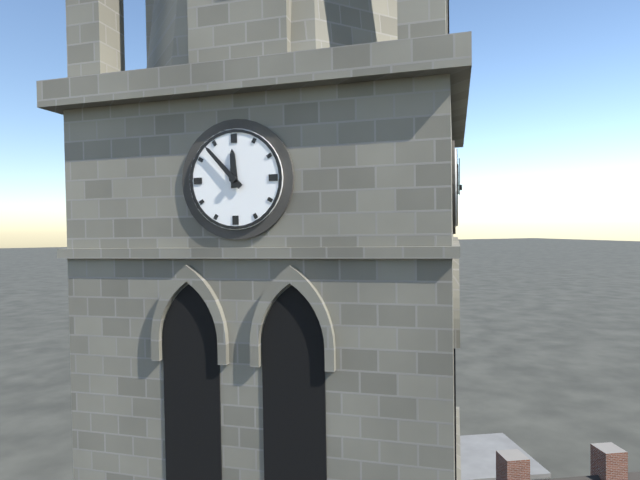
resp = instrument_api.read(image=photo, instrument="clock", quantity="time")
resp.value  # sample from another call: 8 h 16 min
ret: 11 h 53 min
